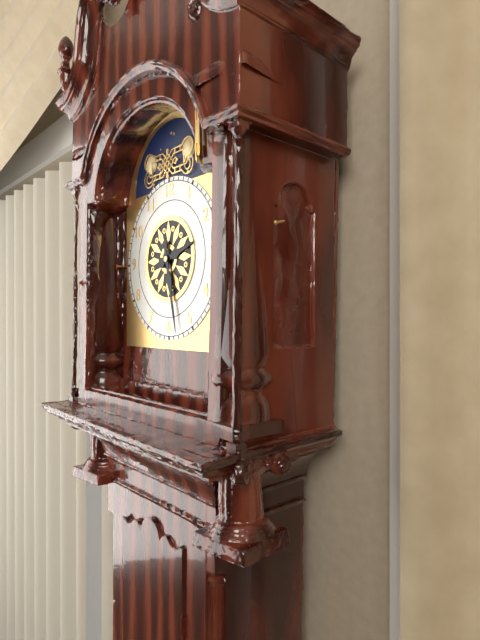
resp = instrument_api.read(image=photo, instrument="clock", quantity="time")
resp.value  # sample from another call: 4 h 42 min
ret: 2 h 28 min
